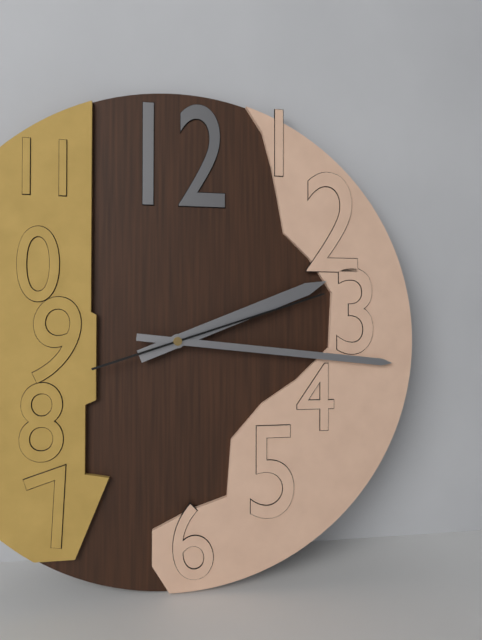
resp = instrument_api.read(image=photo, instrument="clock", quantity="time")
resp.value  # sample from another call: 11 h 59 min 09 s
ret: 2 h 16 min 12 s
